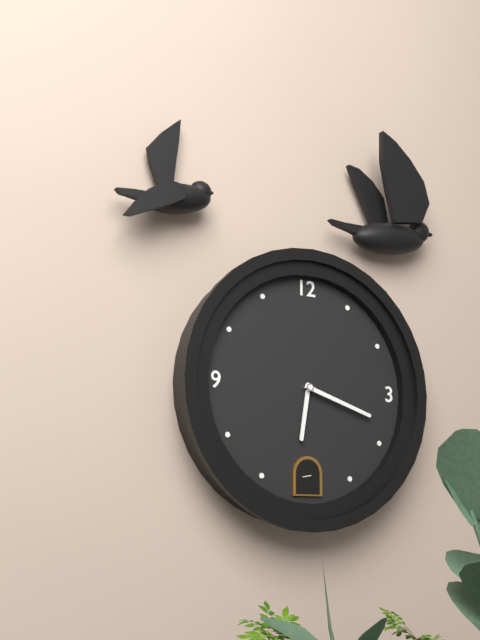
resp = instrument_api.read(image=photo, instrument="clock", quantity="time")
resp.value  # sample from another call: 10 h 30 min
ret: 6 h 18 min
